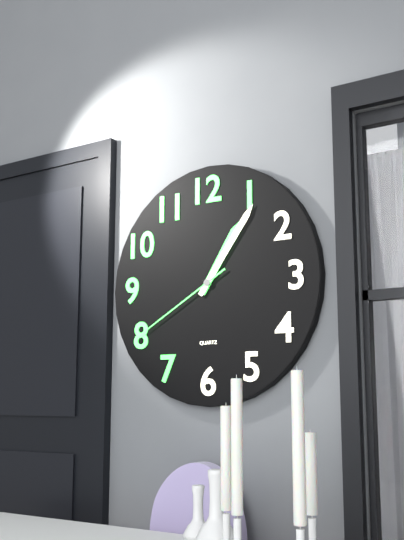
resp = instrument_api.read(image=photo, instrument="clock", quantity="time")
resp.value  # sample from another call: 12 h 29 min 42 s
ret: 1 h 06 min 40 s
